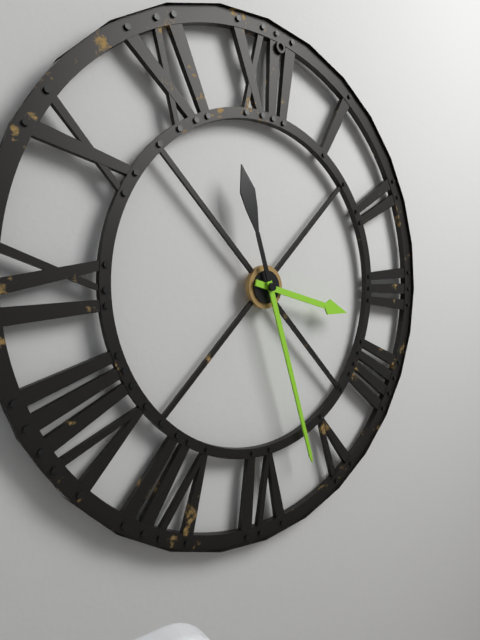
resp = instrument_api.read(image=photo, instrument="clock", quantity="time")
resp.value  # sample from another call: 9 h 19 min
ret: 3 h 27 min
